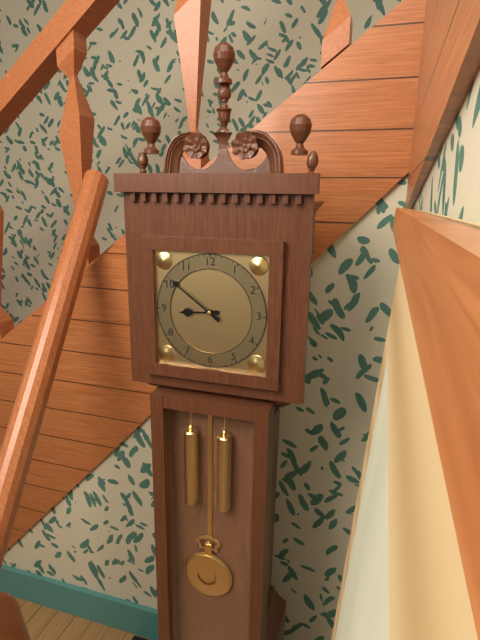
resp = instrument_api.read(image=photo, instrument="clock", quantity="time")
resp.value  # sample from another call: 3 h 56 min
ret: 8 h 51 min
